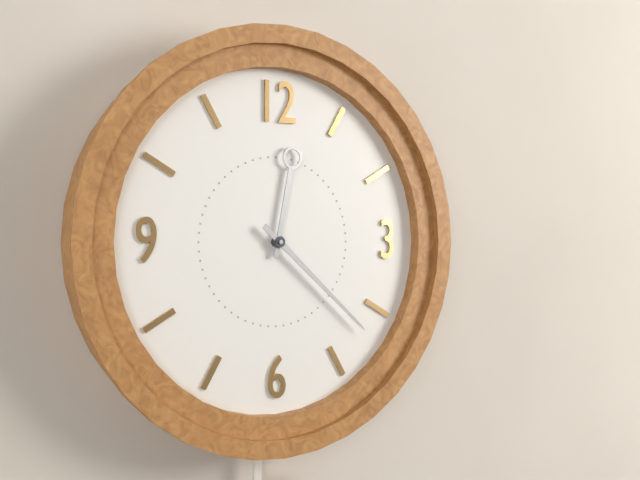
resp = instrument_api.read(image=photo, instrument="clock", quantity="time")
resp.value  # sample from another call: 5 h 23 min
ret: 12 h 22 min
